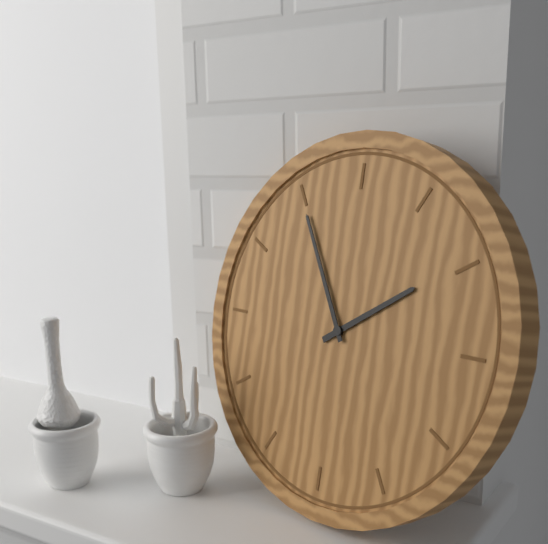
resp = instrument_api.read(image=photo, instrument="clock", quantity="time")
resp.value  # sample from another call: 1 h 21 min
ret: 1 h 55 min
